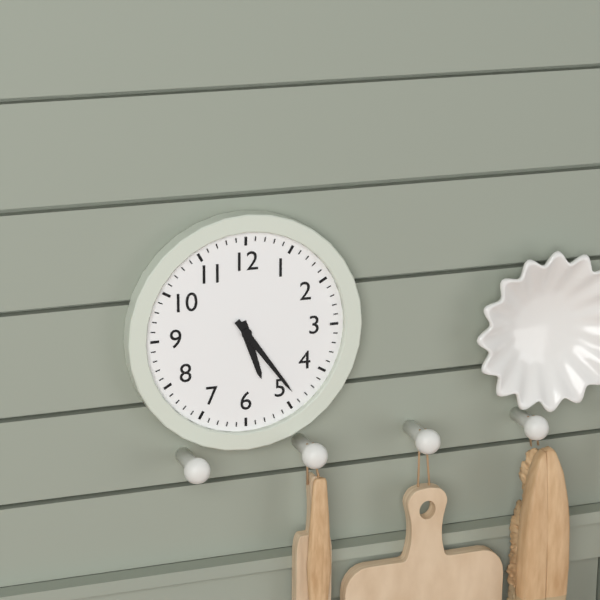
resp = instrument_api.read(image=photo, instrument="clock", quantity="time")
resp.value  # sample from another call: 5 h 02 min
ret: 5 h 24 min
